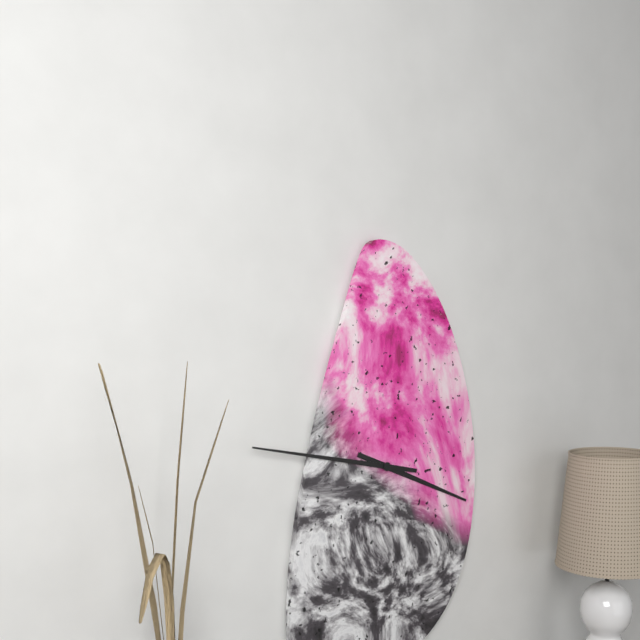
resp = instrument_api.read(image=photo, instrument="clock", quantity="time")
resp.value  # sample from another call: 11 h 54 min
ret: 3 h 47 min
